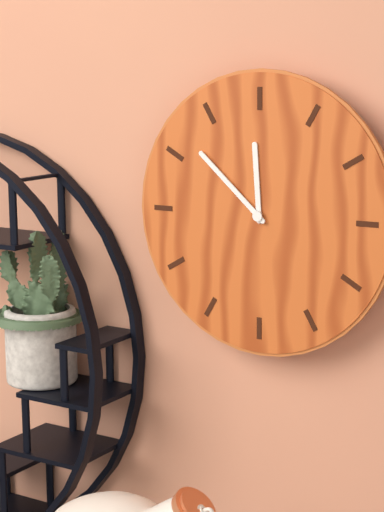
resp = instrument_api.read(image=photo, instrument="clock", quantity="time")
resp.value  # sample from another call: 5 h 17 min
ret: 11 h 52 min
